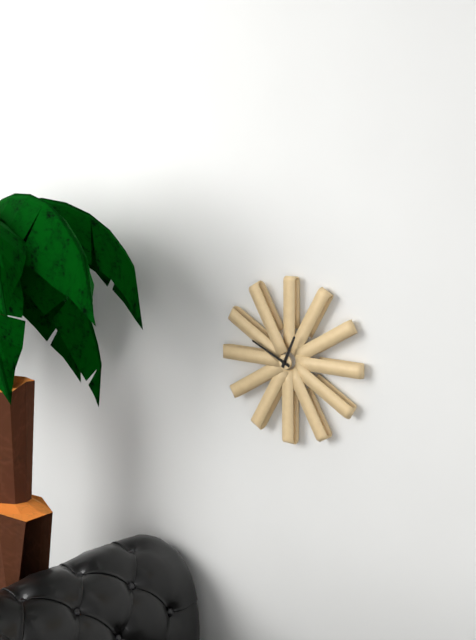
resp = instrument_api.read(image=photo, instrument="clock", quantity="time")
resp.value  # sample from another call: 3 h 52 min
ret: 12 h 49 min
